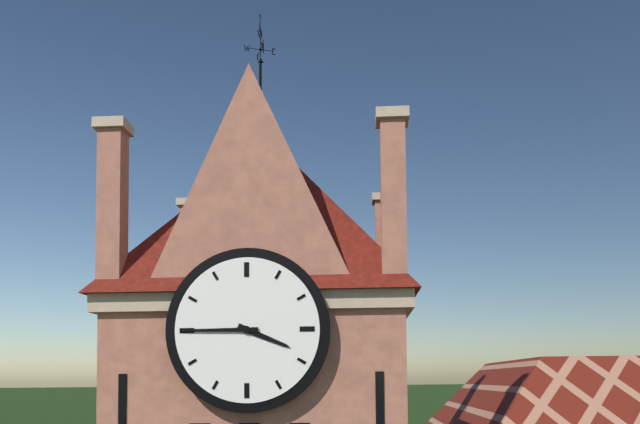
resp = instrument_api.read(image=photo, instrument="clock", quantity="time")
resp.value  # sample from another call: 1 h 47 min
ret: 3 h 45 min
